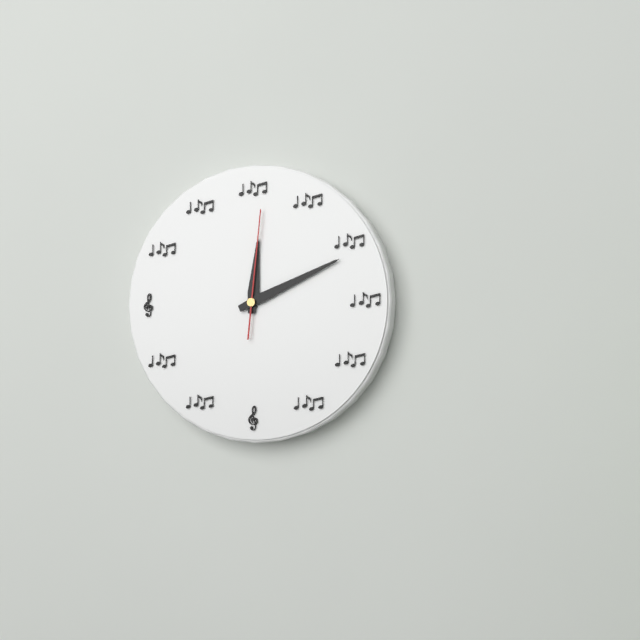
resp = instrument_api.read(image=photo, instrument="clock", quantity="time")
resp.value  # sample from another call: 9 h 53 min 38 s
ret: 12 h 11 min 01 s
